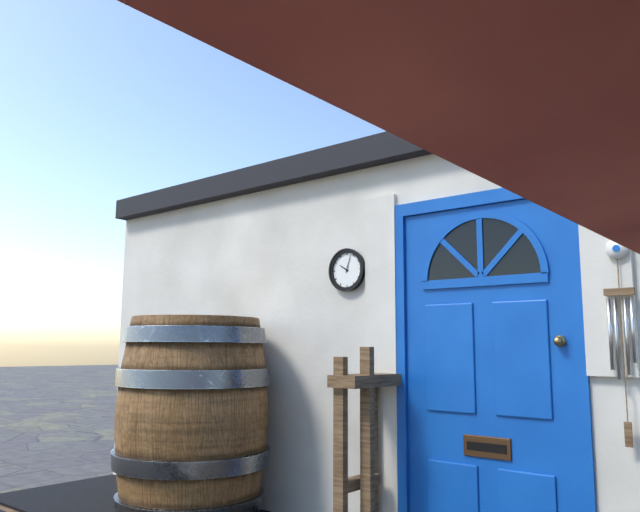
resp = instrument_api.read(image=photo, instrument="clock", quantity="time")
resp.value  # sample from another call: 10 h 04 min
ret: 10 h 03 min
